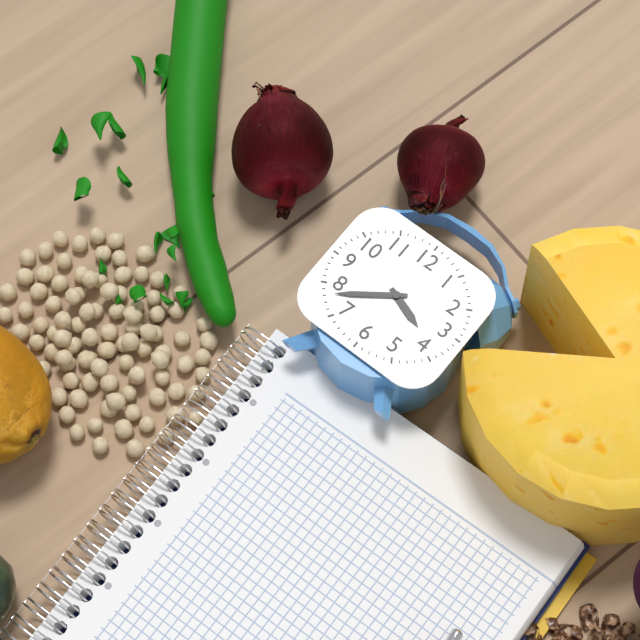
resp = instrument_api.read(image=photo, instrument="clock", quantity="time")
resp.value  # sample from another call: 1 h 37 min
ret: 3 h 39 min
